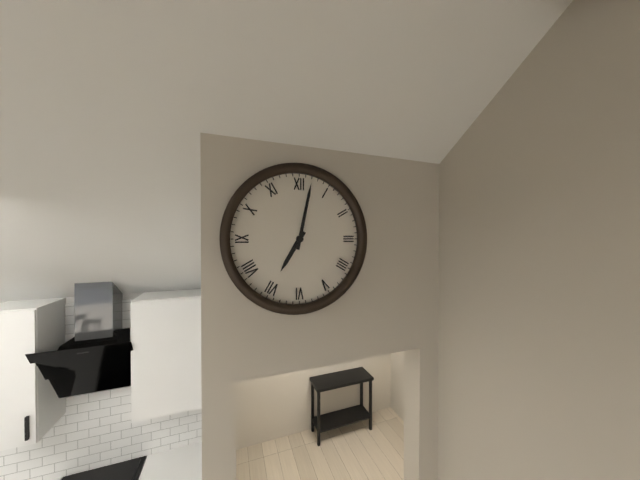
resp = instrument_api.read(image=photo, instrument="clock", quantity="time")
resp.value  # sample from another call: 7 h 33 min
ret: 7 h 02 min
